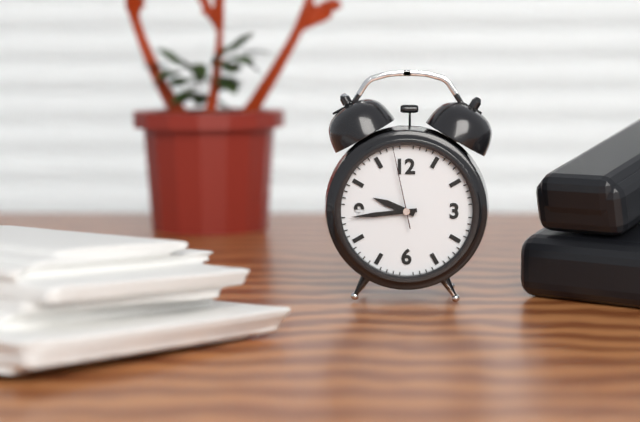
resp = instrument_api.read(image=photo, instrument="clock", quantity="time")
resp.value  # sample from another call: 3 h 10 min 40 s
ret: 9 h 44 min 58 s
